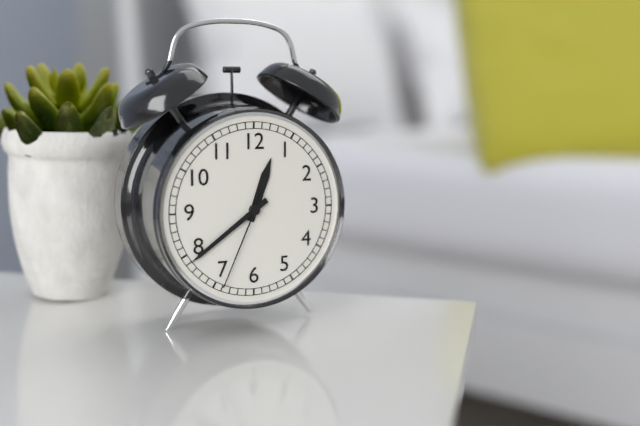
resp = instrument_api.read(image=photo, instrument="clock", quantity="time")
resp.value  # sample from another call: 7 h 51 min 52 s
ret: 12 h 39 min 34 s
